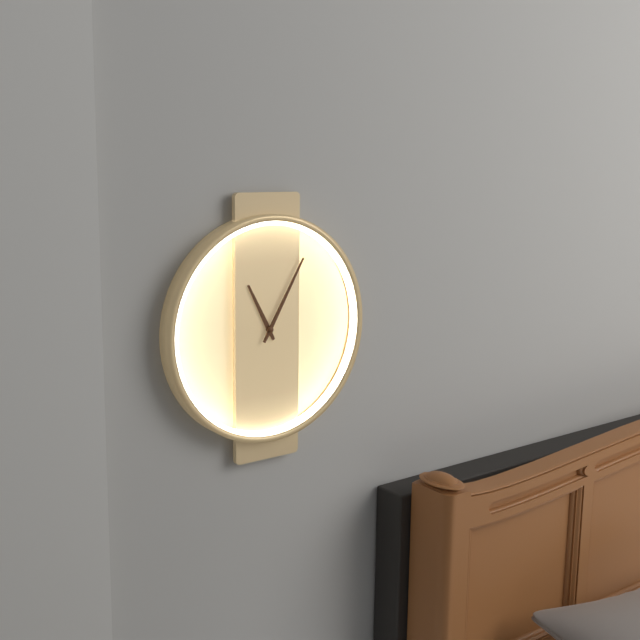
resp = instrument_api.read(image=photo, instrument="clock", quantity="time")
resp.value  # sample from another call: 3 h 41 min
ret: 11 h 05 min
